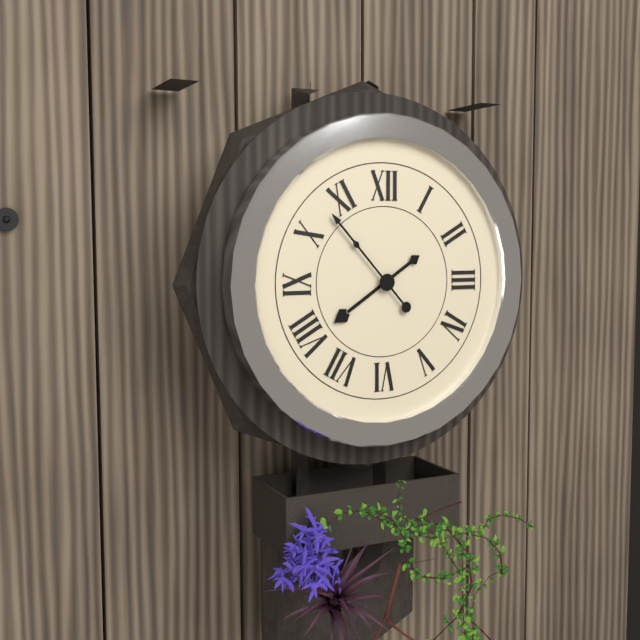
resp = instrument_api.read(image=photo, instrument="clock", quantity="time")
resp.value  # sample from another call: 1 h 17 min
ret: 7 h 53 min
